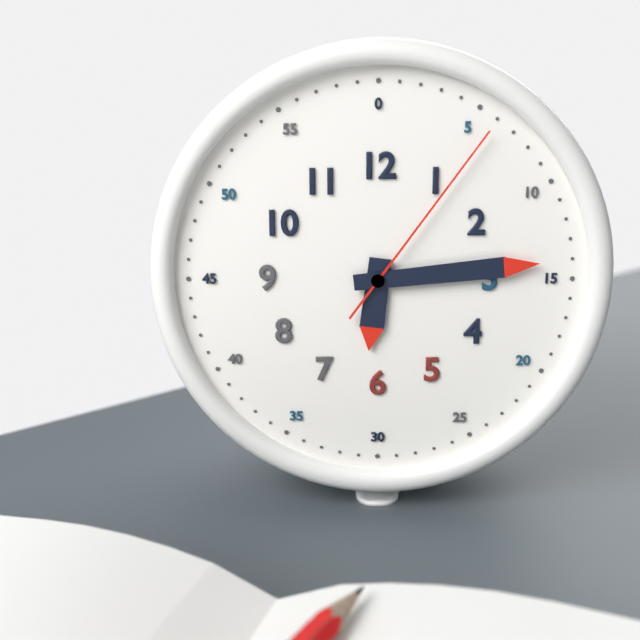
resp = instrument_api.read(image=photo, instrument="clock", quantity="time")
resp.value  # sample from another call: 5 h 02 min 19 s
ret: 6 h 14 min 06 s
